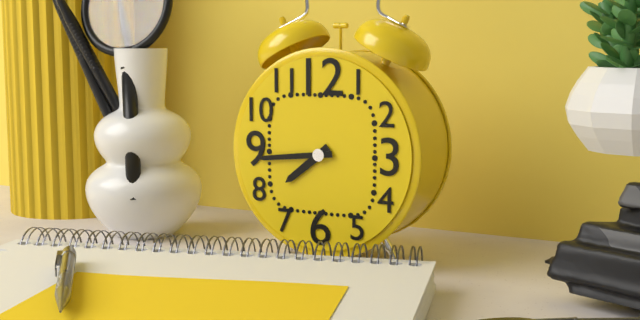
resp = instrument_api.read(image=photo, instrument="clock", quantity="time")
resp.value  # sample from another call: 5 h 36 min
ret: 7 h 44 min
